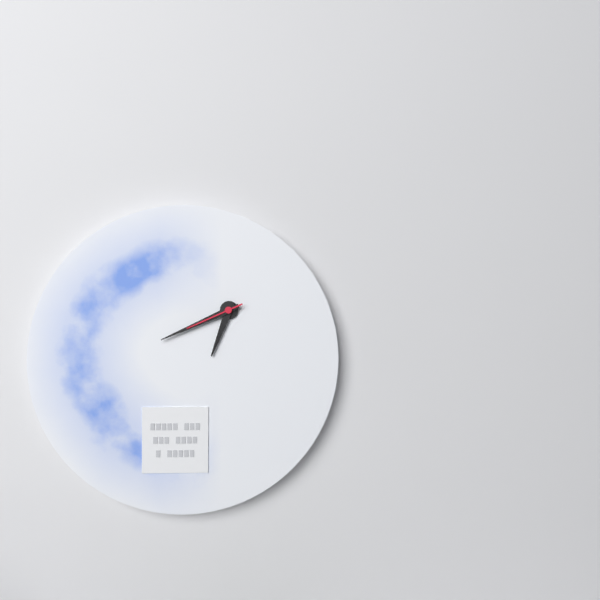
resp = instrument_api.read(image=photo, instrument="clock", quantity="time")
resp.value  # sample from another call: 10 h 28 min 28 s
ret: 6 h 41 min 41 s
